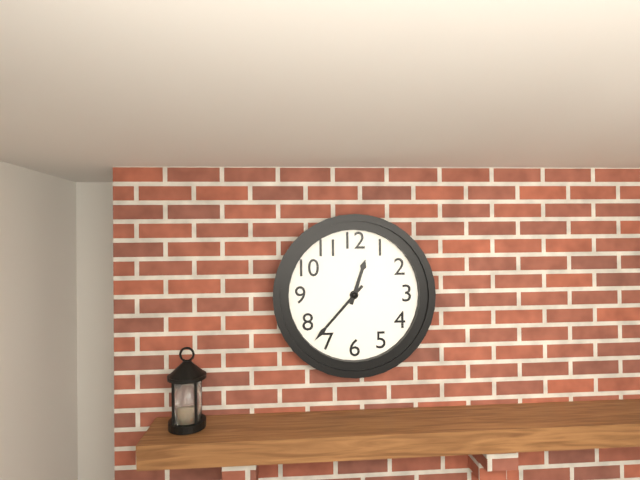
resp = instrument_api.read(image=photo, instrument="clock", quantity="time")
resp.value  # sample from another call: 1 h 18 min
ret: 12 h 37 min
